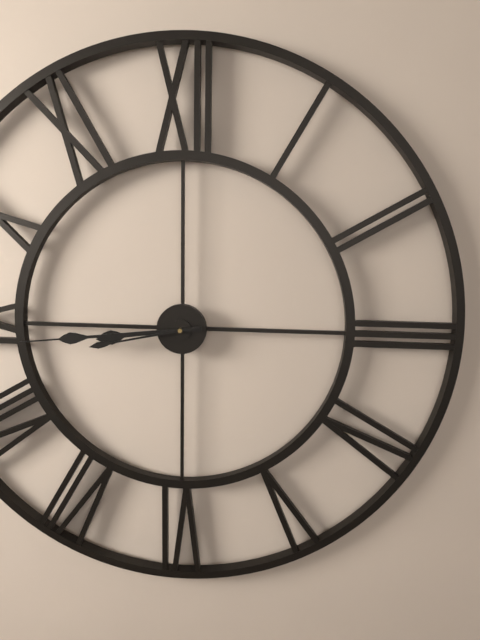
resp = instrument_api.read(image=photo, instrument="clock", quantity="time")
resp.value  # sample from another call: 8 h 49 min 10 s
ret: 8 h 44 min 43 s
